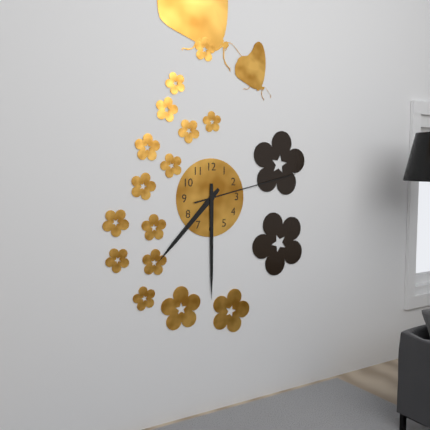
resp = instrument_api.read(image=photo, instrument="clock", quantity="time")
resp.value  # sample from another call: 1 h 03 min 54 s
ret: 7 h 30 min 13 s
